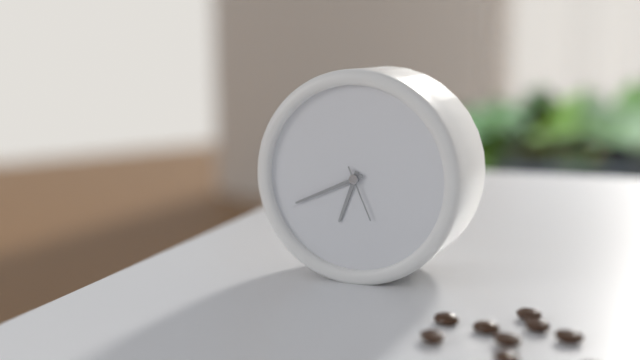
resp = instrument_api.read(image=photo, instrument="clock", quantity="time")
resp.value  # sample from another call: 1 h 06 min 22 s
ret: 6 h 41 min 26 s
